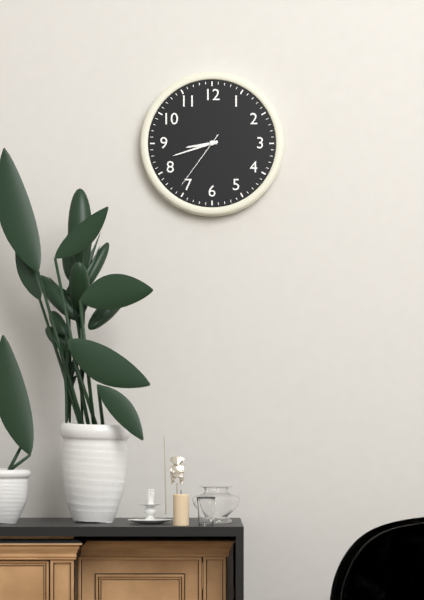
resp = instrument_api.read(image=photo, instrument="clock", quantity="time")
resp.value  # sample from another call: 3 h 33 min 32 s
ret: 8 h 42 min 36 s
